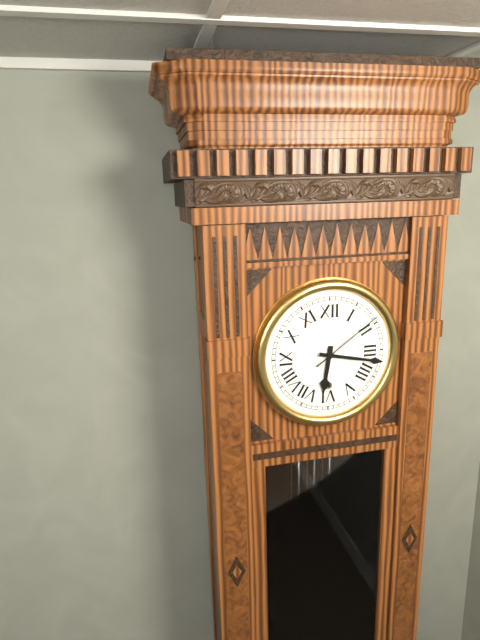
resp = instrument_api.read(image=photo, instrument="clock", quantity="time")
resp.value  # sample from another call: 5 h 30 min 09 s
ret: 6 h 17 min 09 s
